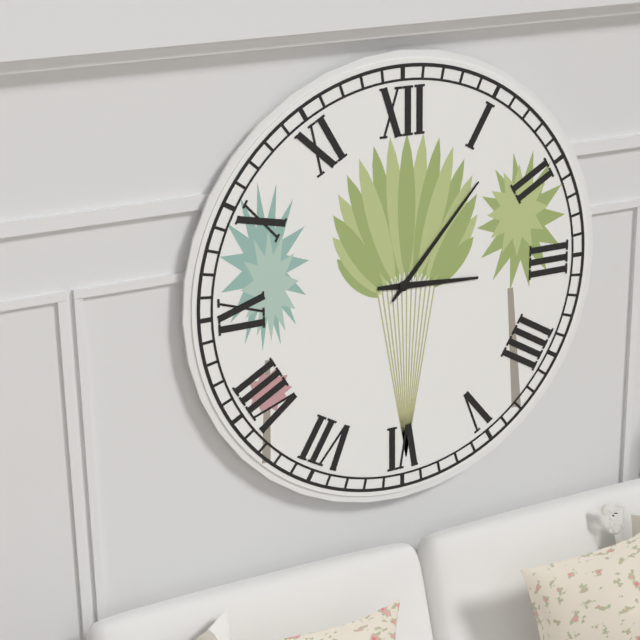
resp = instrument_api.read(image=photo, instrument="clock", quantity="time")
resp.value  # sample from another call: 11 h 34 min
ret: 3 h 07 min
